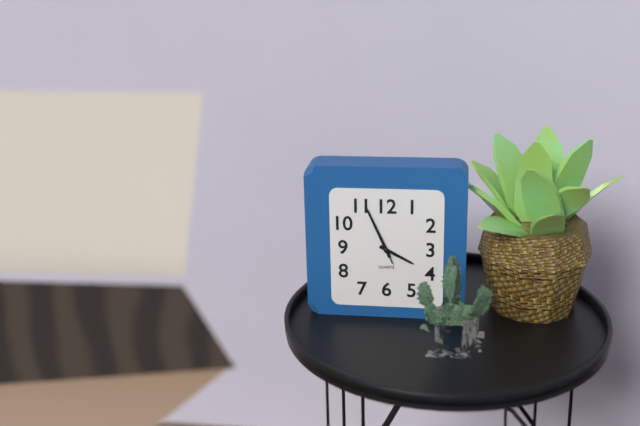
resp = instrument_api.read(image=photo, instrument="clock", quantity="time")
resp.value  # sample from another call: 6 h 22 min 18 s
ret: 3 h 56 min 56 s
